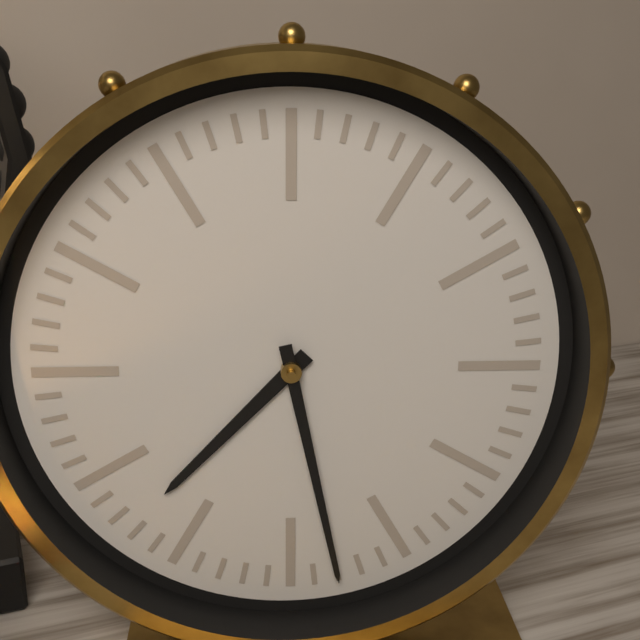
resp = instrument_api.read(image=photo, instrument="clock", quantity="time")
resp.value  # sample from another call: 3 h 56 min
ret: 7 h 28 min
